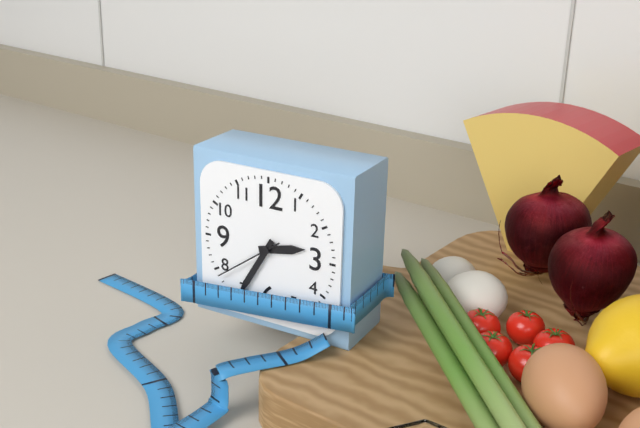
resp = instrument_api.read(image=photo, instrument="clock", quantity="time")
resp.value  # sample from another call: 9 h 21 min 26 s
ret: 2 h 35 min 39 s
